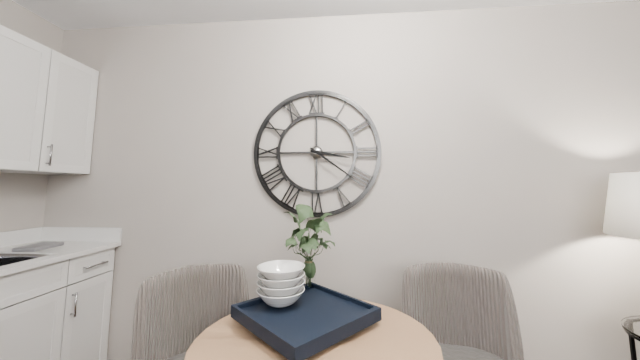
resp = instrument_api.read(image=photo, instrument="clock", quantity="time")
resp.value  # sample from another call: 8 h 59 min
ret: 3 h 21 min
